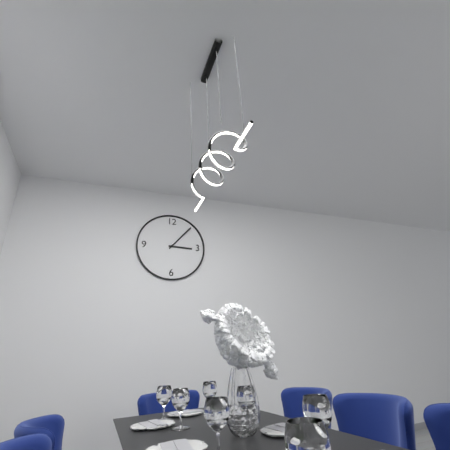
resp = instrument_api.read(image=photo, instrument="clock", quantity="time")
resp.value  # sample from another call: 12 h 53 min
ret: 3 h 07 min
